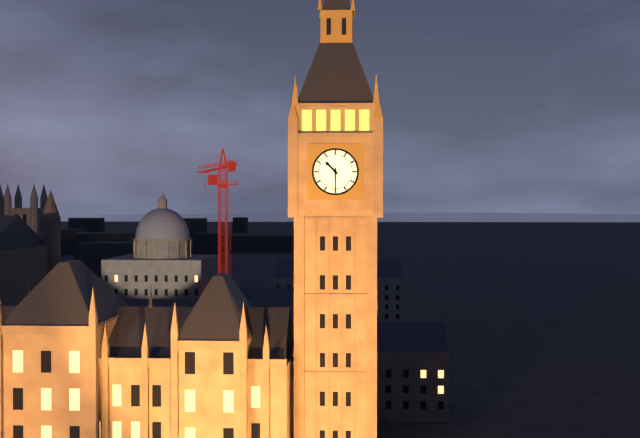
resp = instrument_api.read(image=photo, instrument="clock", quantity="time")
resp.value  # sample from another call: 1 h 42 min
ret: 10 h 30 min
